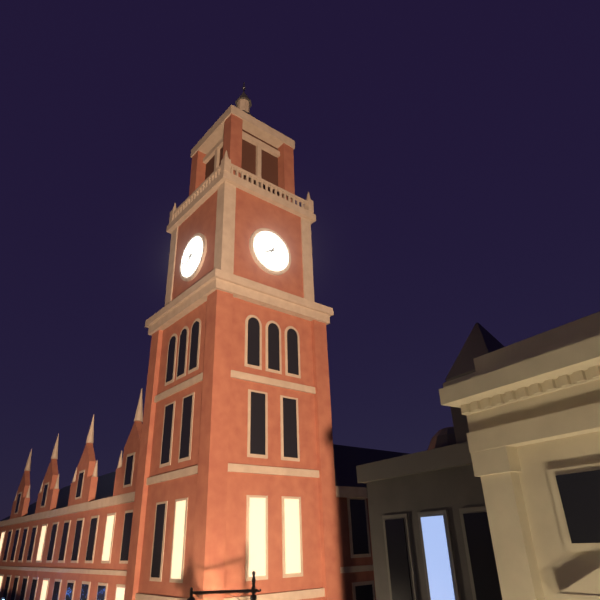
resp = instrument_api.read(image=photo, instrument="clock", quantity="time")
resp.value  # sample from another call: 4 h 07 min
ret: 8 h 04 min
